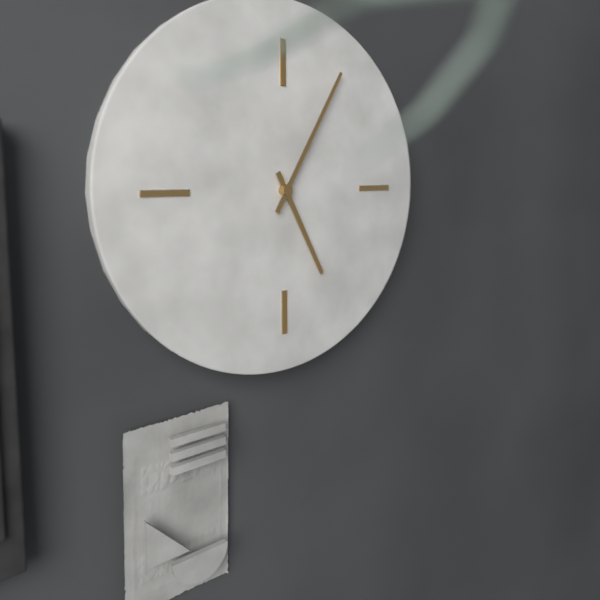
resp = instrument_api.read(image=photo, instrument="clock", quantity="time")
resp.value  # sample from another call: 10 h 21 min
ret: 5 h 05 min
